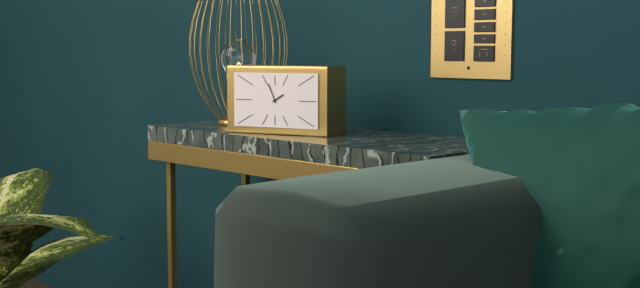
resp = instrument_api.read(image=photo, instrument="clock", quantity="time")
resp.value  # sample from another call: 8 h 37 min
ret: 1 h 56 min
